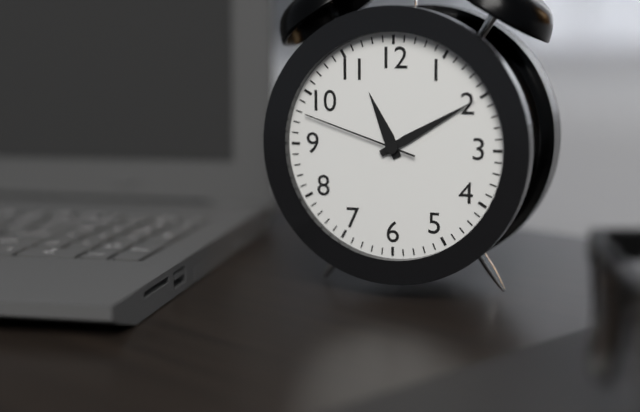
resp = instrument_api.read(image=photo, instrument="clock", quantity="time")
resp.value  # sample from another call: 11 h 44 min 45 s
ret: 11 h 10 min 48 s
